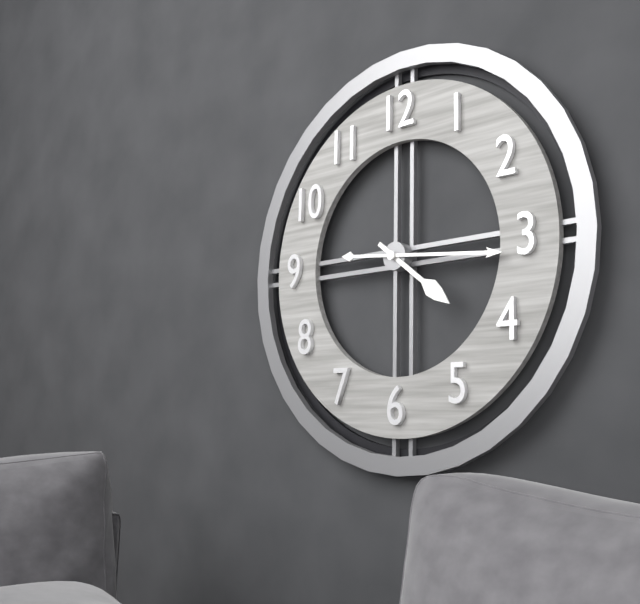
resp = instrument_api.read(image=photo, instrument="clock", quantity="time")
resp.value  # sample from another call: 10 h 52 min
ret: 4 h 16 min
